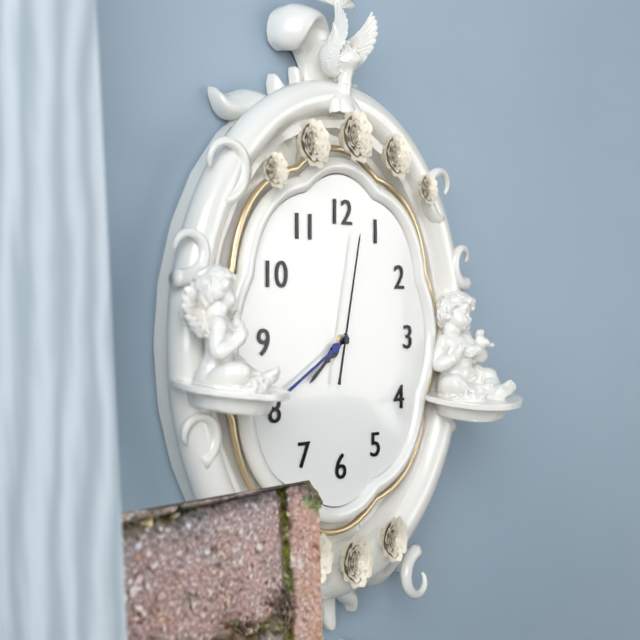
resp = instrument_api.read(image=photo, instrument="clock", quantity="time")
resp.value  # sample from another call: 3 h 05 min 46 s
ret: 7 h 40 min 02 s
